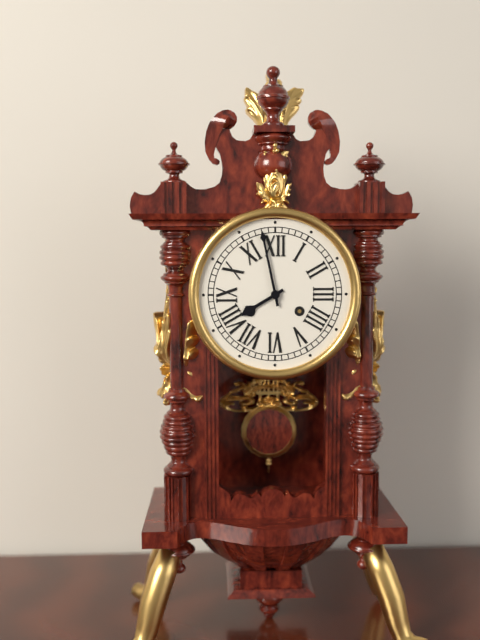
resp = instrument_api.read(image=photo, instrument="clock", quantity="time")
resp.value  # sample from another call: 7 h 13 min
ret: 7 h 58 min
